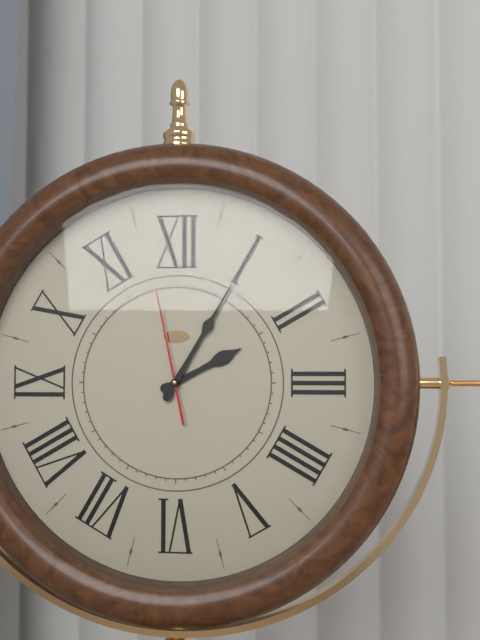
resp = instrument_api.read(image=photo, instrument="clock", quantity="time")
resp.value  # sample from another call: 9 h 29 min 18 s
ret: 2 h 05 min 58 s
